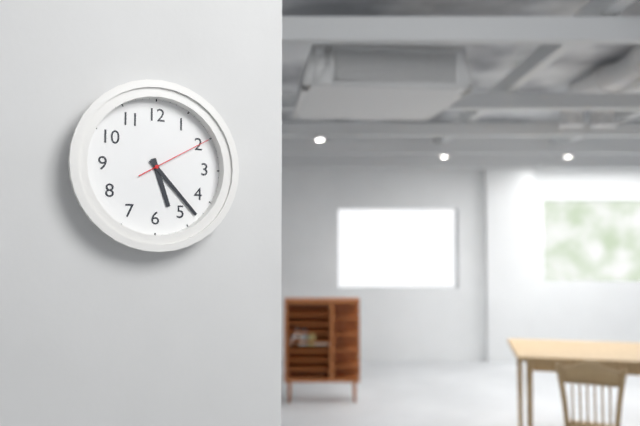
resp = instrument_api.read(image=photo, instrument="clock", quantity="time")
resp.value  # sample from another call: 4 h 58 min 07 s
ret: 5 h 23 min 10 s
